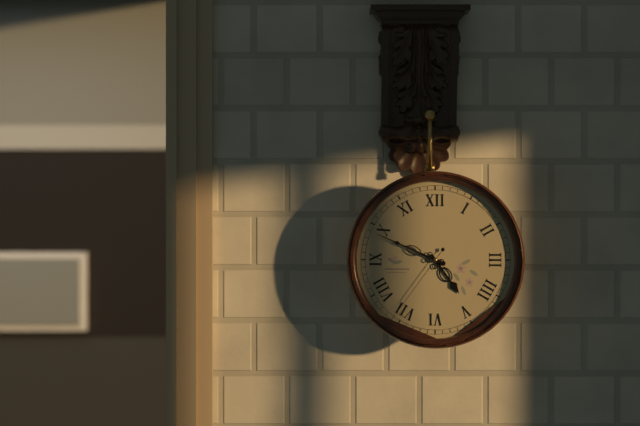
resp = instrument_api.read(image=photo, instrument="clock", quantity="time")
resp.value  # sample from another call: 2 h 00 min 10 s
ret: 4 h 49 min 36 s
